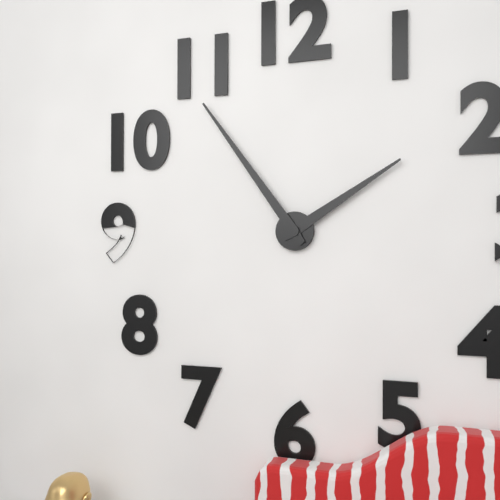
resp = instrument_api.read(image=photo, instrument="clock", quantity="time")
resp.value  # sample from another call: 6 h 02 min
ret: 1 h 54 min
